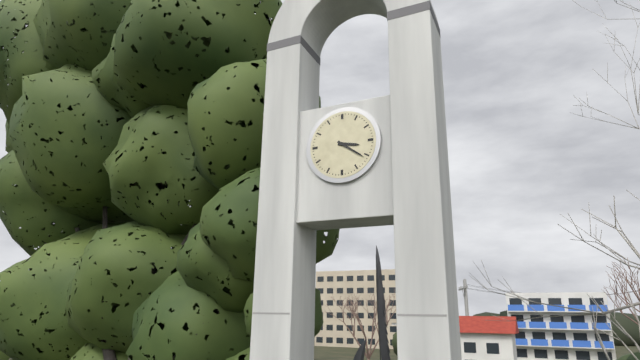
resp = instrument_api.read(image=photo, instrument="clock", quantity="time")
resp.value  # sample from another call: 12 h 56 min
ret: 3 h 21 min
